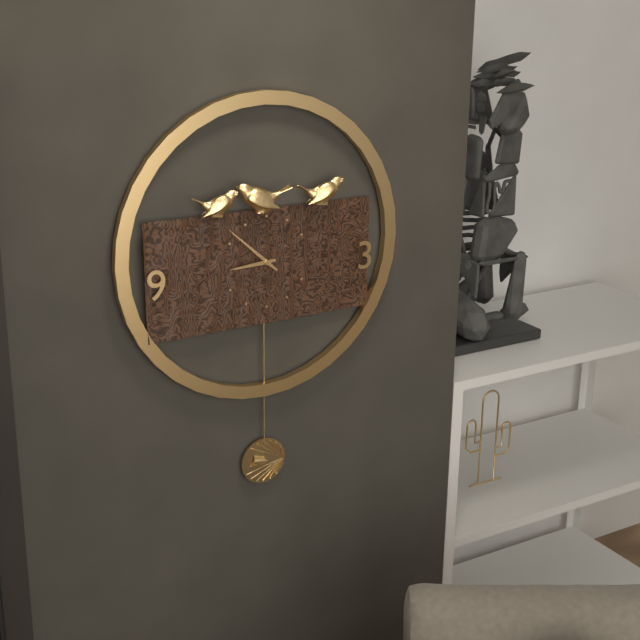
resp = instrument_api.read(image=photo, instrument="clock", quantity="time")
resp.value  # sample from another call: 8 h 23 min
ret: 8 h 52 min
